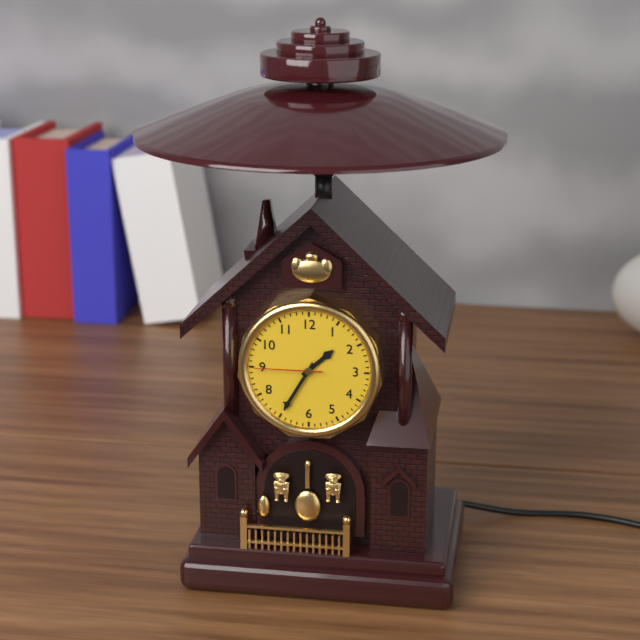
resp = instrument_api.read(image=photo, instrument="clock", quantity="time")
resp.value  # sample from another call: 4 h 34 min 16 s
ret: 1 h 35 min 45 s
